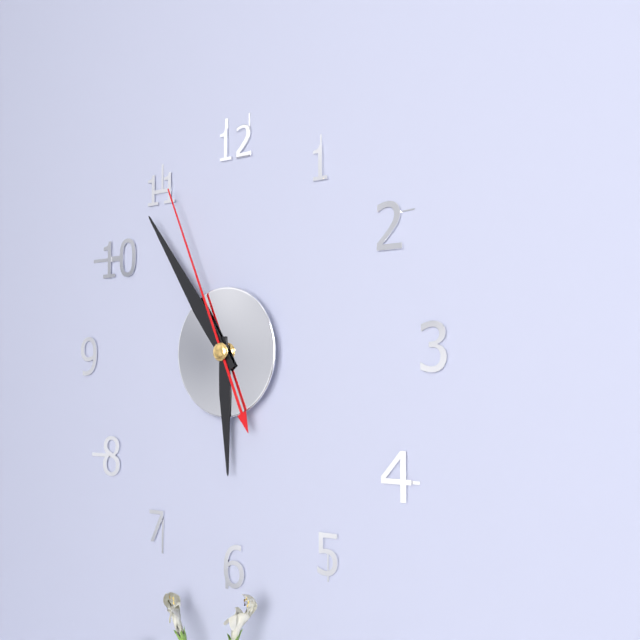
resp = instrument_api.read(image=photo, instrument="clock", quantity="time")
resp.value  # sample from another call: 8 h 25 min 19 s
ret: 5 h 54 min 56 s
